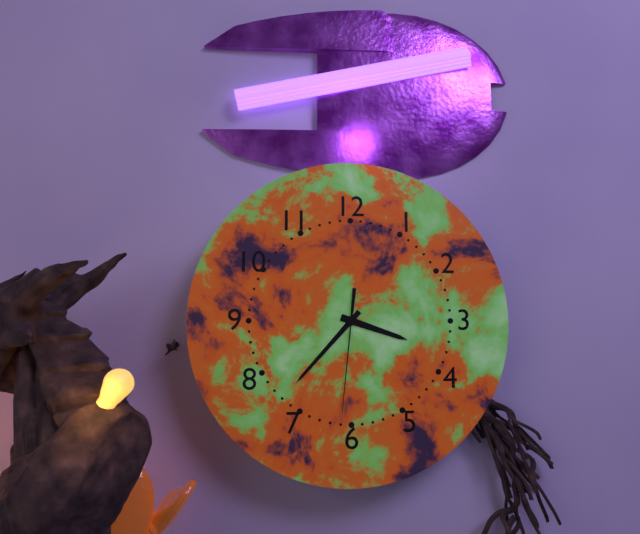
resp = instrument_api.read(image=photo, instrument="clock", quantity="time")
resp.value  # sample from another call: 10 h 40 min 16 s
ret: 3 h 37 min 31 s
